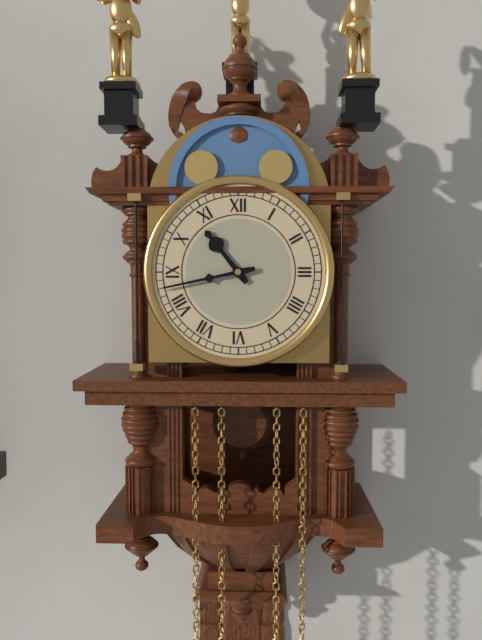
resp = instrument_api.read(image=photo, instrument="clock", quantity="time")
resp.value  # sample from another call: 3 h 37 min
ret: 10 h 43 min
